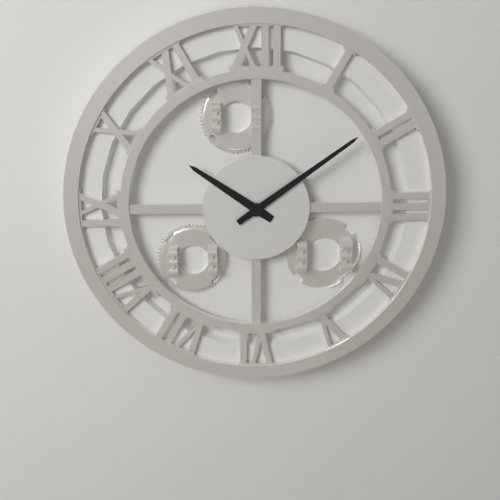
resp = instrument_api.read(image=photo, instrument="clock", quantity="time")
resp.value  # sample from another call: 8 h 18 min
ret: 10 h 09 min
